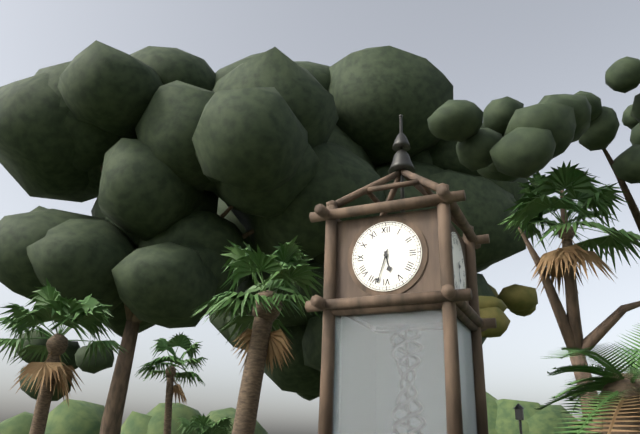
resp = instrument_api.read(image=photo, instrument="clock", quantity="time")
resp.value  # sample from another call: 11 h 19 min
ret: 5 h 33 min
